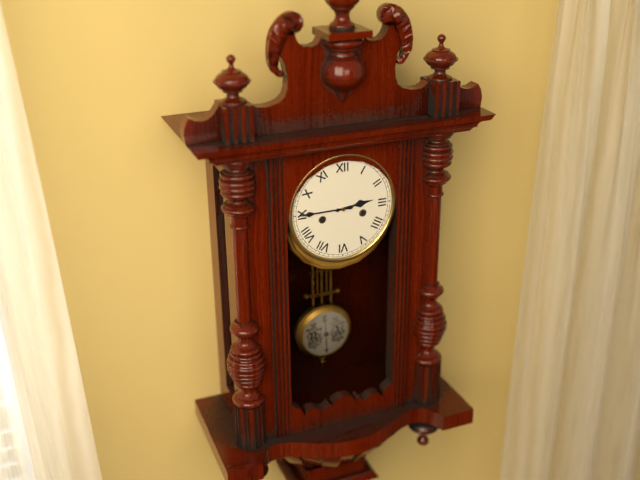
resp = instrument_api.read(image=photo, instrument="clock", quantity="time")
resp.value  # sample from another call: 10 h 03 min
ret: 2 h 45 min
